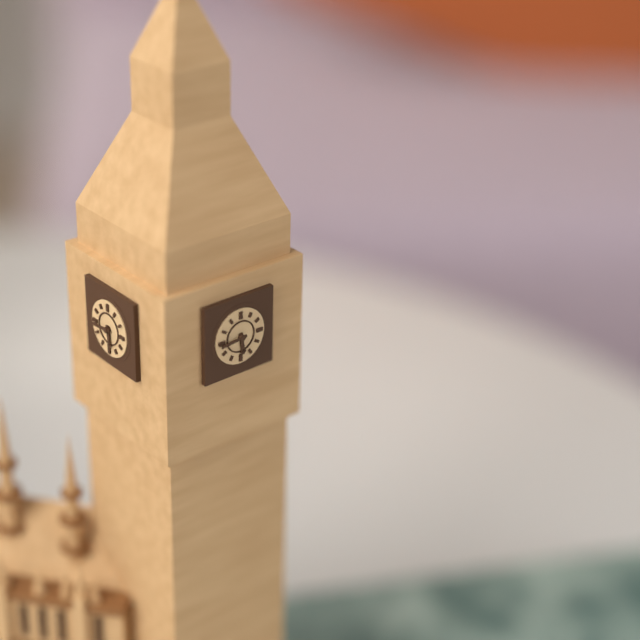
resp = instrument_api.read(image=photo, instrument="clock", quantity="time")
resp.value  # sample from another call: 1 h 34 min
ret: 5 h 44 min
